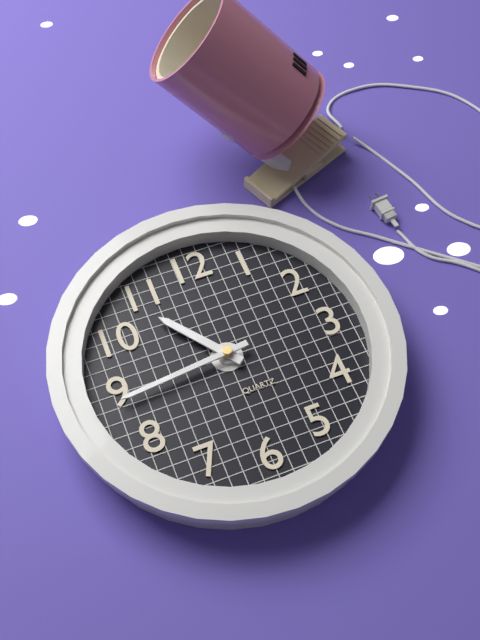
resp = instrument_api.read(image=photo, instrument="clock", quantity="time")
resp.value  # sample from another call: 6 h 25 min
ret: 10 h 44 min
